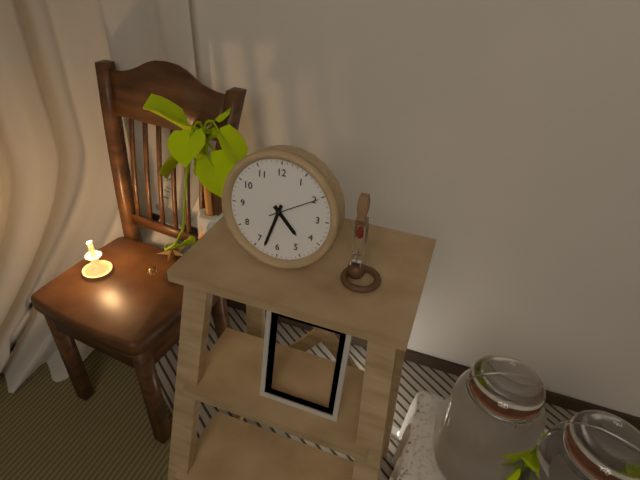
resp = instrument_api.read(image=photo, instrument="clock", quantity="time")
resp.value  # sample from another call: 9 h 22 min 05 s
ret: 4 h 33 min 10 s
